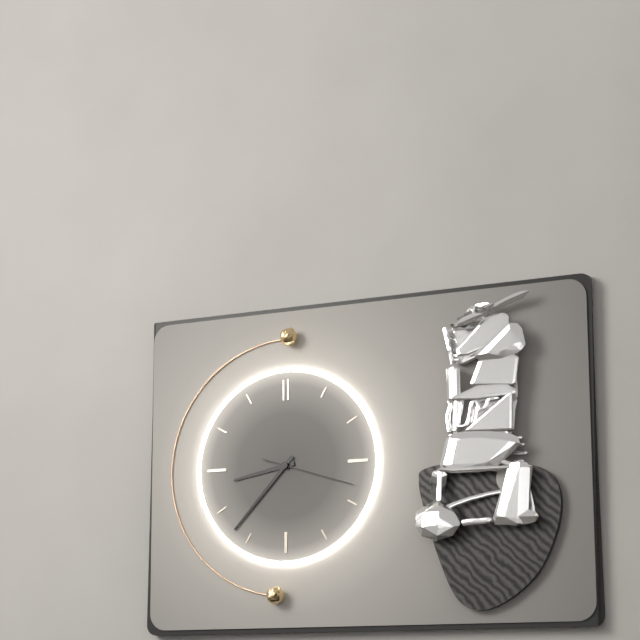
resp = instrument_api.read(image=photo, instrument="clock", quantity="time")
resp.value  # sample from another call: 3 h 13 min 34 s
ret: 8 h 37 min 18 s
